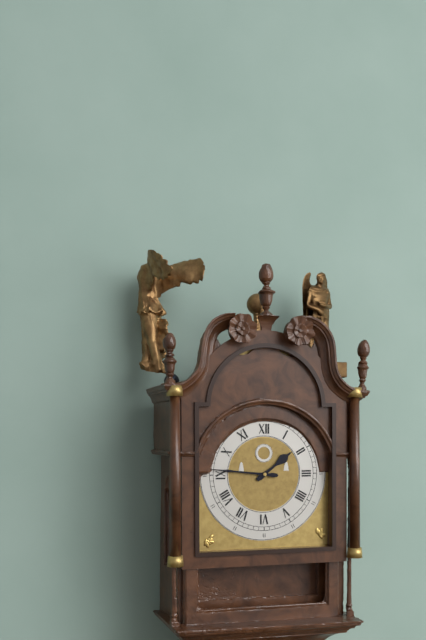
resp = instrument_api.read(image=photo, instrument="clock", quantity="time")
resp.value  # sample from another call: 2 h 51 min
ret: 1 h 46 min
